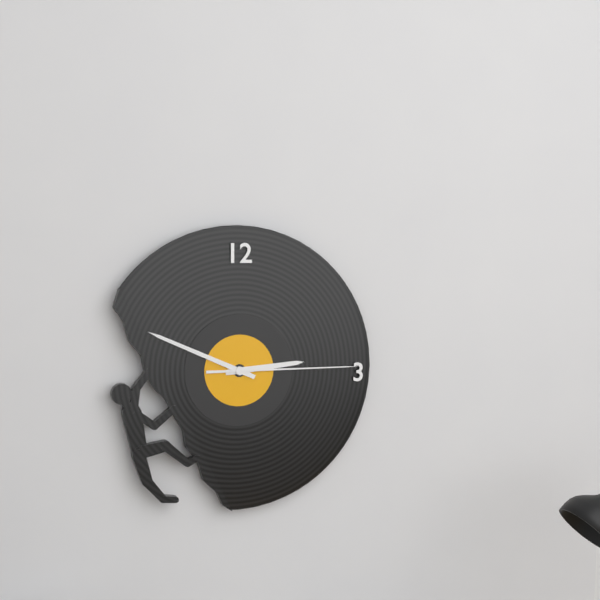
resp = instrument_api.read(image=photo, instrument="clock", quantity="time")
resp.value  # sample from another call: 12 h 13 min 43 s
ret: 2 h 49 min 15 s
